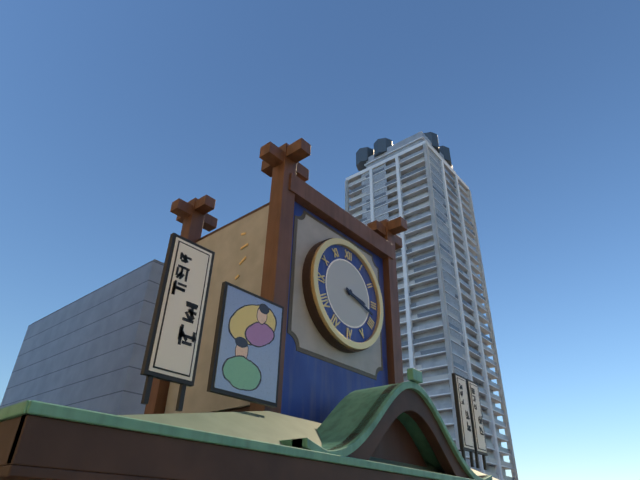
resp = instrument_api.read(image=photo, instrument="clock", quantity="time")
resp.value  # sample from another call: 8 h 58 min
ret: 3 h 18 min
